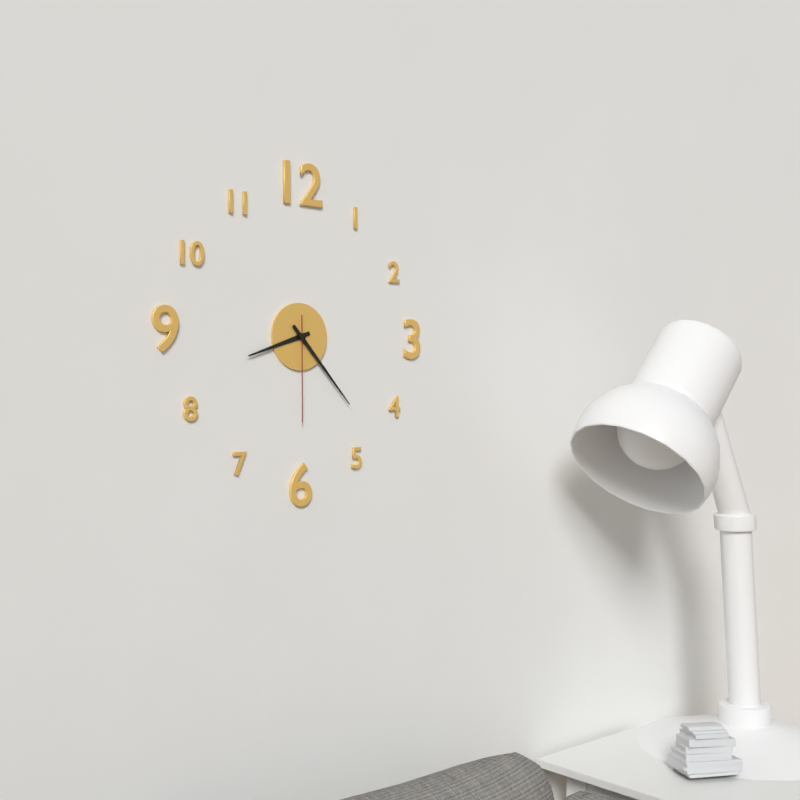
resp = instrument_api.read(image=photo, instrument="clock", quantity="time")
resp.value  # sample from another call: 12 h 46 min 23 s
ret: 8 h 23 min 30 s
